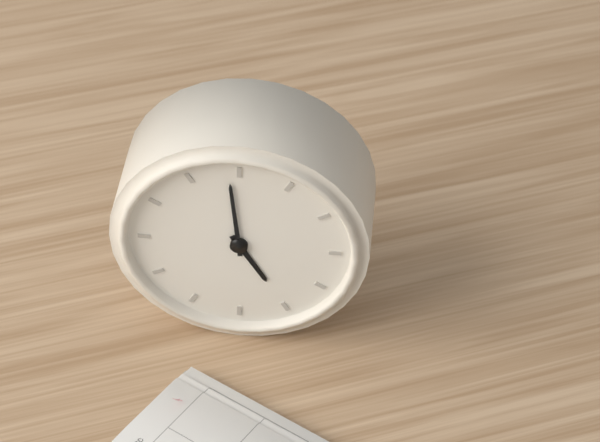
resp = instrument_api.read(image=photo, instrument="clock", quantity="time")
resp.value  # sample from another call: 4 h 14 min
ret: 4 h 59 min
